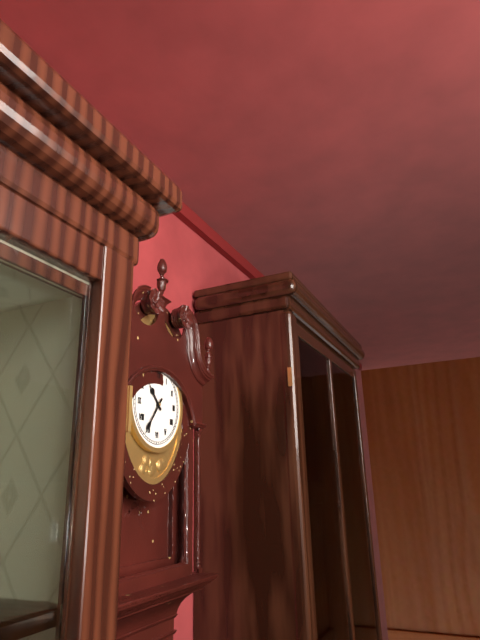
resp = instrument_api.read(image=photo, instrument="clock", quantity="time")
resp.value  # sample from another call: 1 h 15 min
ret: 10 h 36 min
